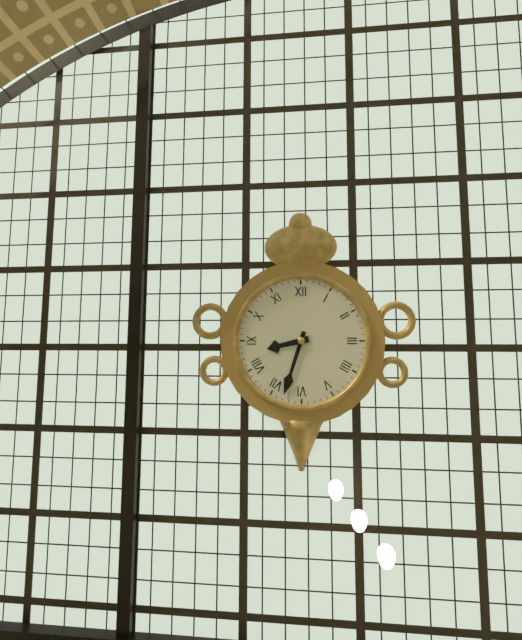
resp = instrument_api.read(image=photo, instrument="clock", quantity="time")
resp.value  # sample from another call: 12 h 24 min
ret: 8 h 33 min
